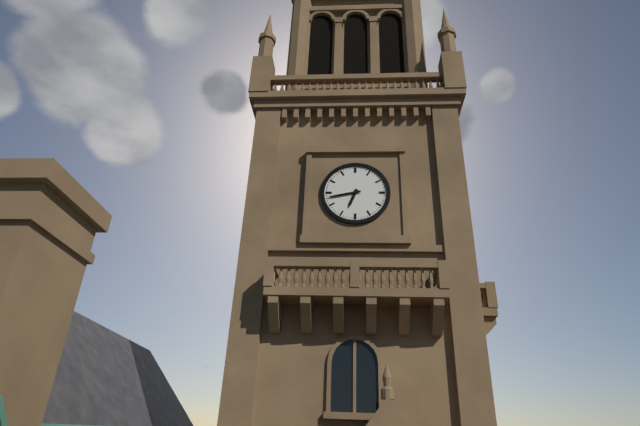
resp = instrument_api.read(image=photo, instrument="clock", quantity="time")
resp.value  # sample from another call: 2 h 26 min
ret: 6 h 43 min
